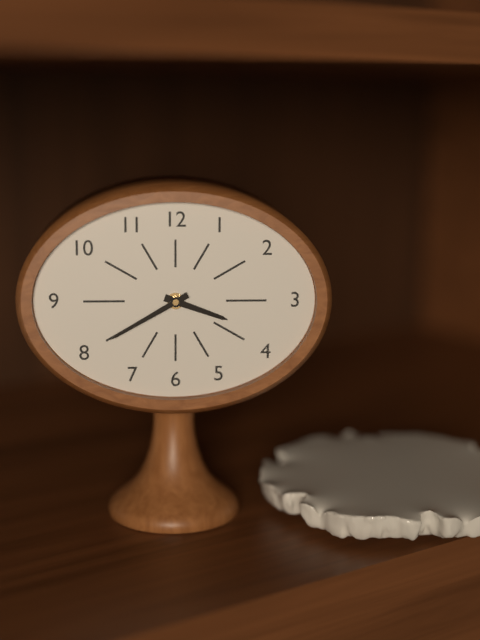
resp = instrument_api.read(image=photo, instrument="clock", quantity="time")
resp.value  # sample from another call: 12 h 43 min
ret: 3 h 40 min
